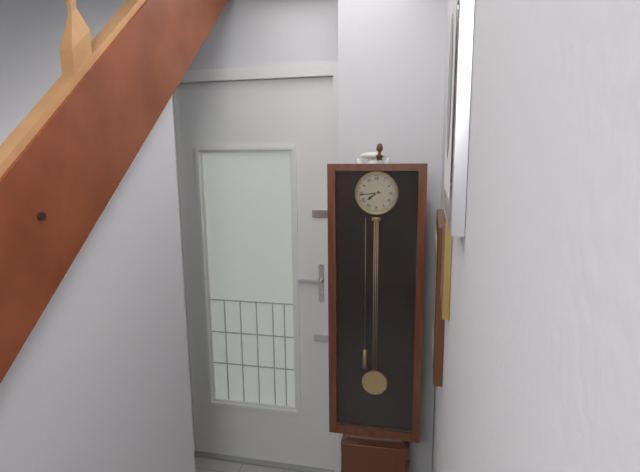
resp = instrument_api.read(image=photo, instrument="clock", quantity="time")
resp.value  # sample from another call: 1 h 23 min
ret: 7 h 44 min
